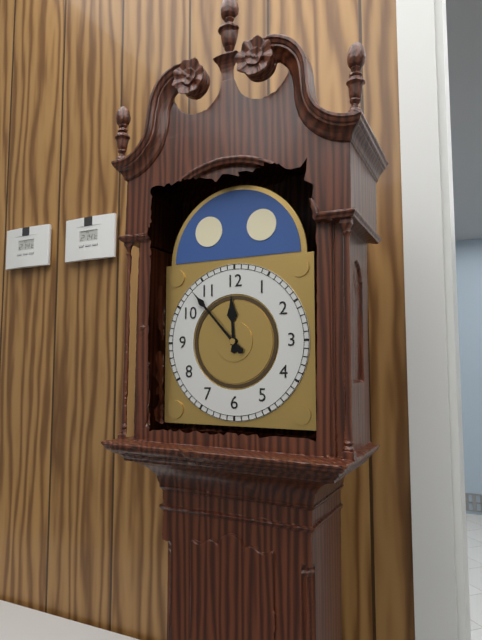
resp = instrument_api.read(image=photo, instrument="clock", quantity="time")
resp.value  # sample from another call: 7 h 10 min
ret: 11 h 53 min
